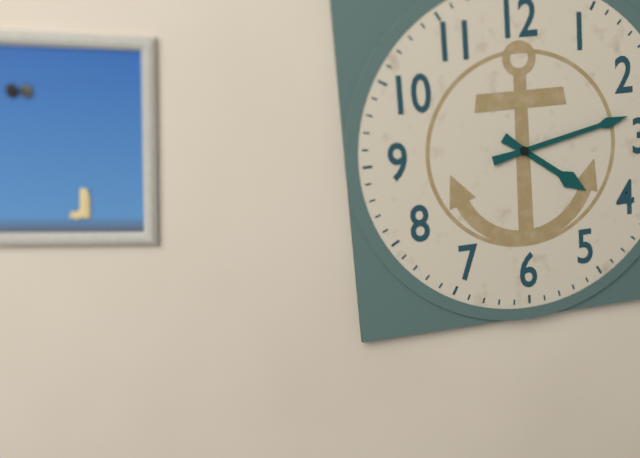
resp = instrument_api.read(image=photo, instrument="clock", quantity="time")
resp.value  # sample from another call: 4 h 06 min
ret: 4 h 13 min
